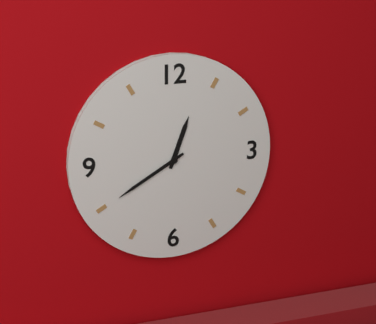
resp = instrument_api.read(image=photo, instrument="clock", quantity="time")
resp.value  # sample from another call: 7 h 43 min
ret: 12 h 40 min
